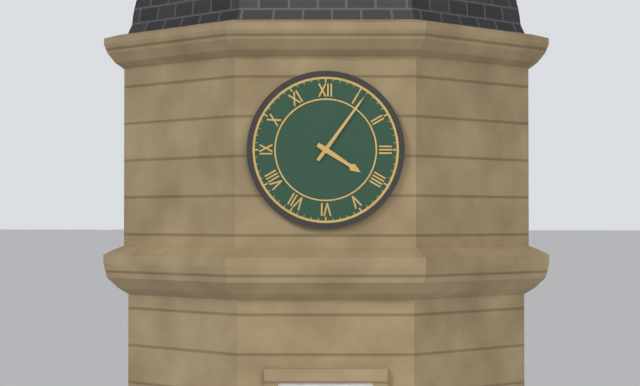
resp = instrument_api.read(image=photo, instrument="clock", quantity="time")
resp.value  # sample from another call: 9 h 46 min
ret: 4 h 06 min
